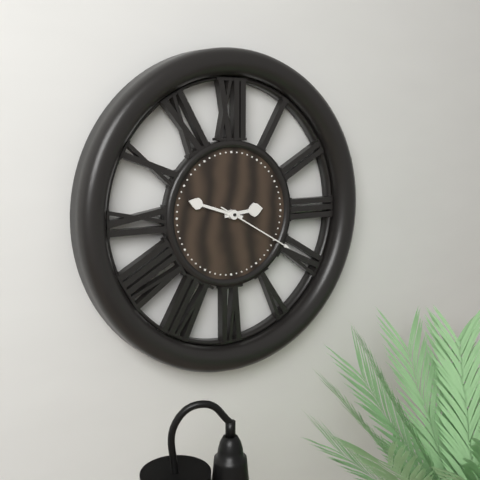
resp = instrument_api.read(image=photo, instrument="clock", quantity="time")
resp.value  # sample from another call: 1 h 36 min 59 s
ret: 2 h 48 min 20 s
